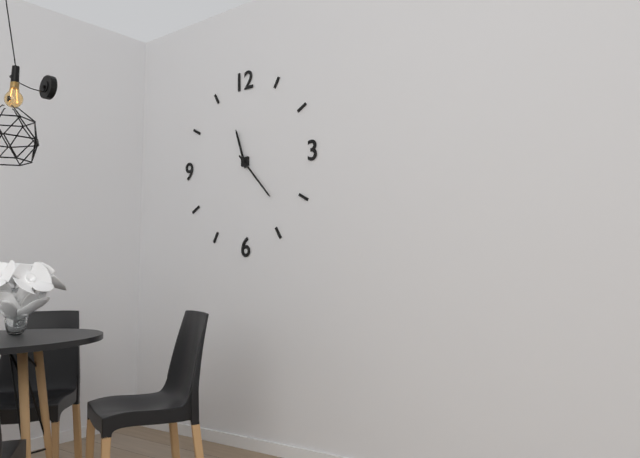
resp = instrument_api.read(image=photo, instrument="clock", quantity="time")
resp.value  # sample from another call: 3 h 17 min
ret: 11 h 23 min
